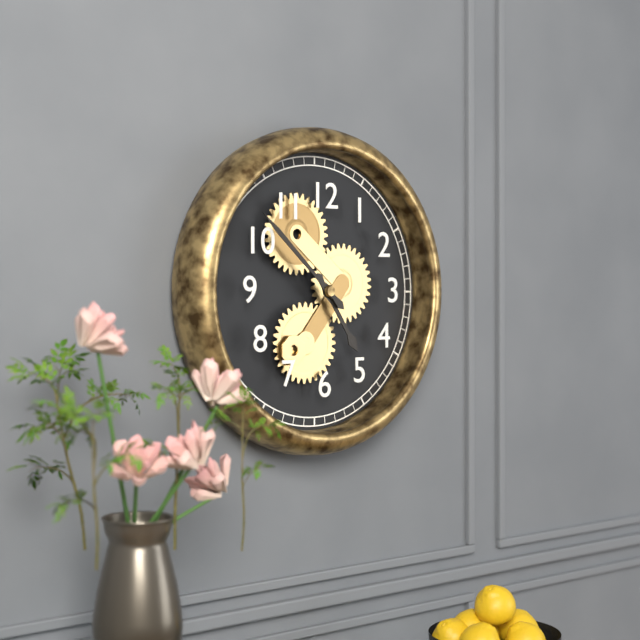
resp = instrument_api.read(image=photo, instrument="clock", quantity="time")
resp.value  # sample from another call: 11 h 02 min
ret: 4 h 52 min
